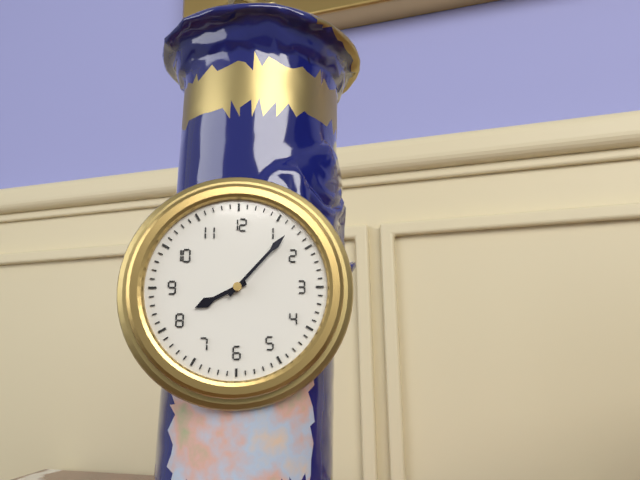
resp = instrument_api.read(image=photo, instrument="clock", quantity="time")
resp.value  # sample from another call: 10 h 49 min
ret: 8 h 07 min
